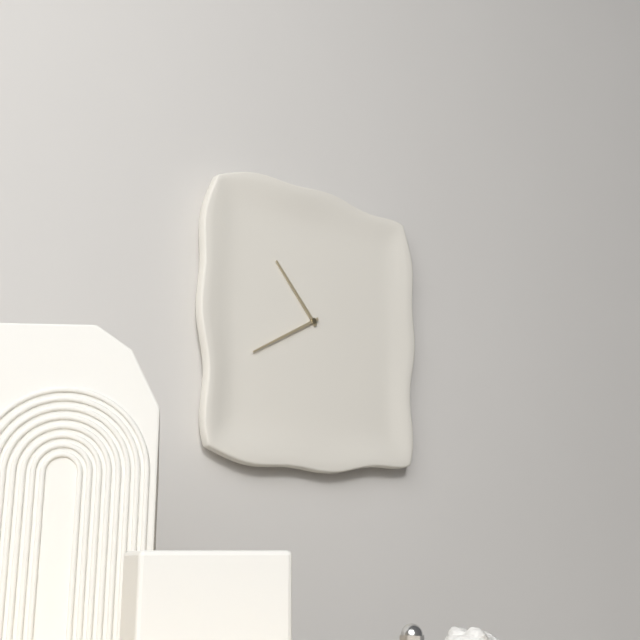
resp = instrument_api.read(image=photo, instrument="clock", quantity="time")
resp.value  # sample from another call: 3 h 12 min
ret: 10 h 40 min
